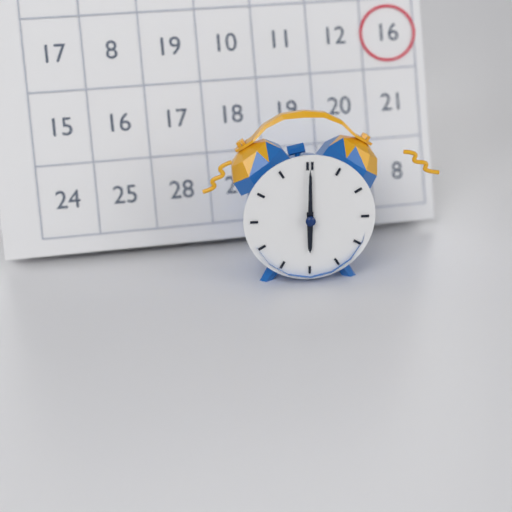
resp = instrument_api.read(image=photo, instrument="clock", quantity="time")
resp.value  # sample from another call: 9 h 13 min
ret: 6 h 00 min
